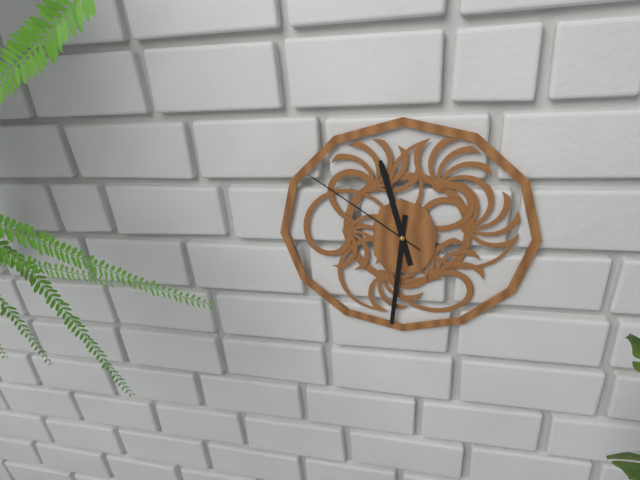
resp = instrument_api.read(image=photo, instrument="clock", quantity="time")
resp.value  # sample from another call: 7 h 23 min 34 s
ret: 11 h 31 min 51 s
